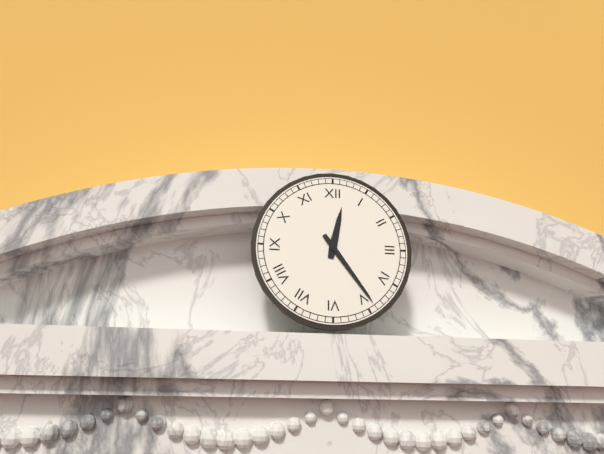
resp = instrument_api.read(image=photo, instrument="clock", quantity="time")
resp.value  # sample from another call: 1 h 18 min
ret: 12 h 24 min
